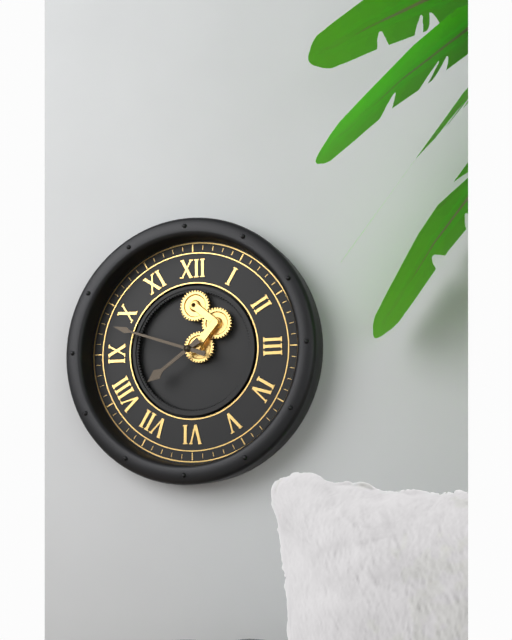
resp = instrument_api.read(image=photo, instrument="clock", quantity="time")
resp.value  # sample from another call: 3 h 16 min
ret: 7 h 48 min
